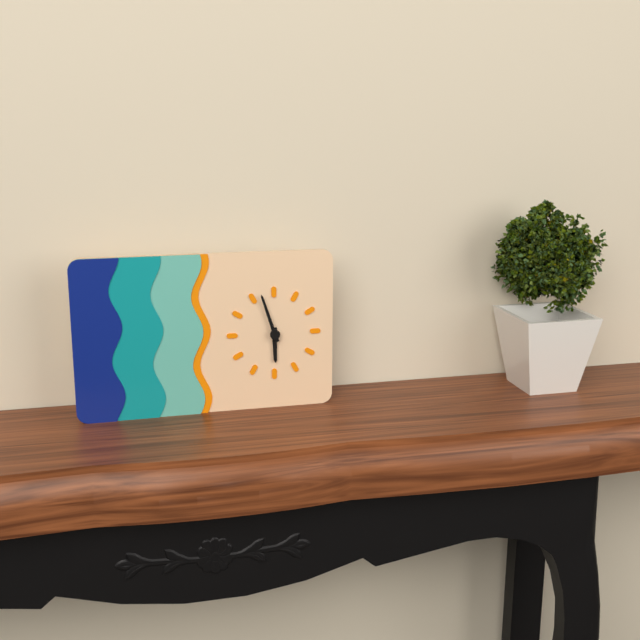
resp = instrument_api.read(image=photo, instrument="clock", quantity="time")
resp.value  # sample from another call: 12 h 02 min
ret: 5 h 57 min
